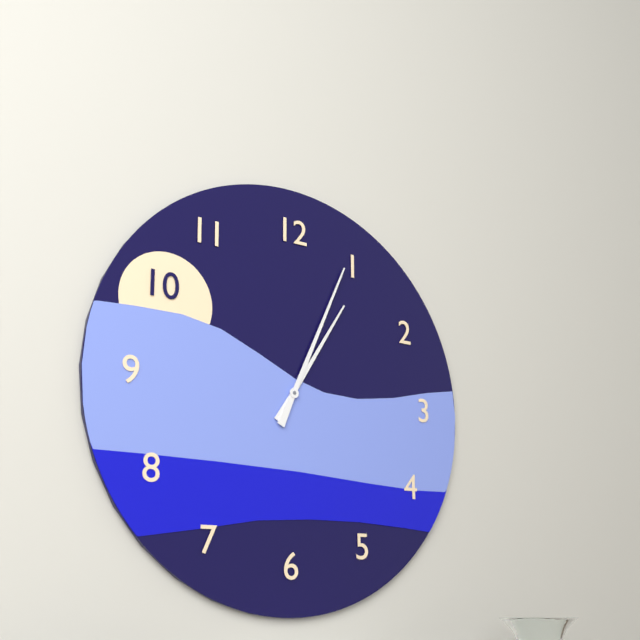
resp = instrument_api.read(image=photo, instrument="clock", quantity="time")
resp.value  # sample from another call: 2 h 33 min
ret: 1 h 04 min
